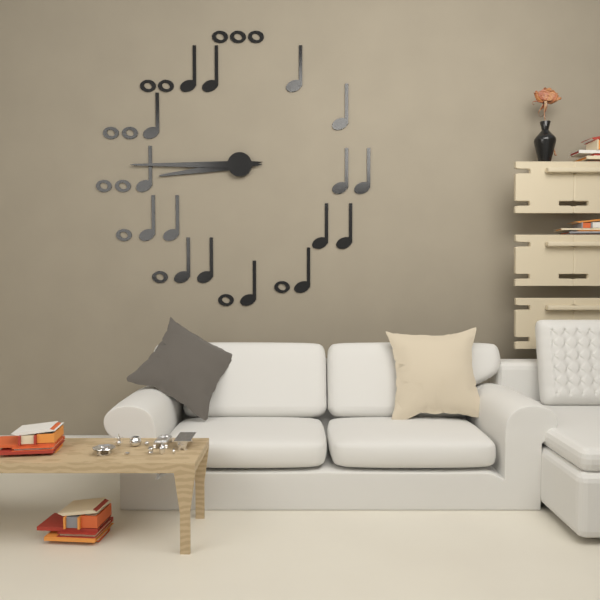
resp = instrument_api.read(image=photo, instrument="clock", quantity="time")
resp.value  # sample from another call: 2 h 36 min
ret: 8 h 45 min
